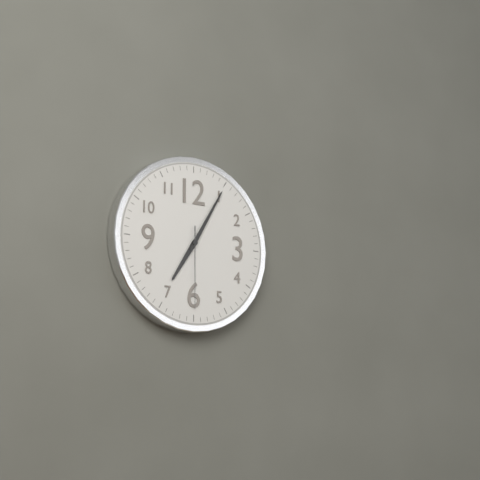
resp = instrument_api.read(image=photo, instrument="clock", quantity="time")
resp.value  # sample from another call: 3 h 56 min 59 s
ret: 7 h 05 min 30 s
